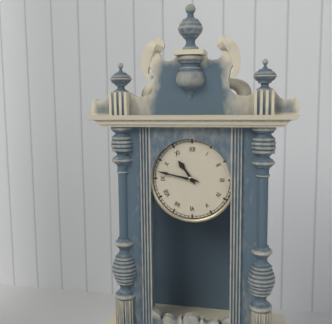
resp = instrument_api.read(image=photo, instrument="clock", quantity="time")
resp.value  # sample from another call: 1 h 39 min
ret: 10 h 47 min
